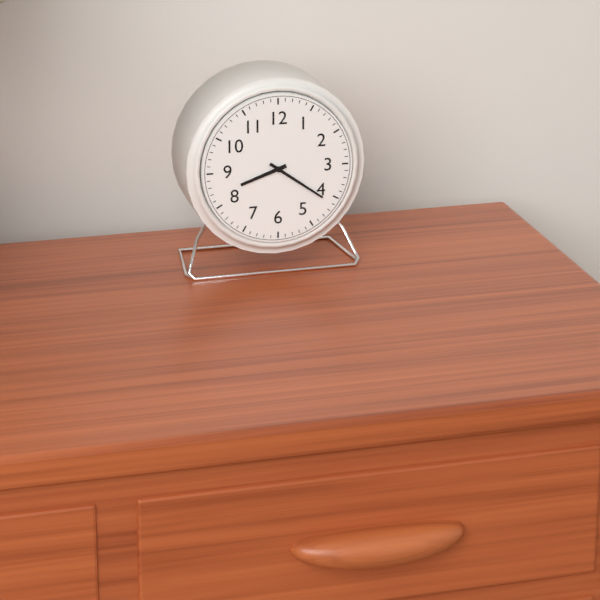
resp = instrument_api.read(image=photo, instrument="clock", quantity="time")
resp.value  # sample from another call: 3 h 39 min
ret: 8 h 21 min
